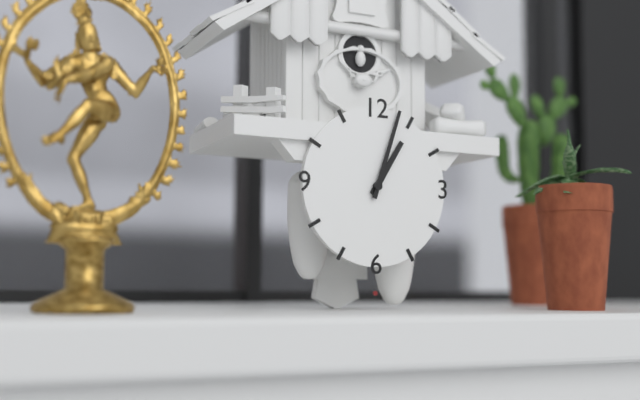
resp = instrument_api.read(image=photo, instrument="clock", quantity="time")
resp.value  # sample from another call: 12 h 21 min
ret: 1 h 03 min
